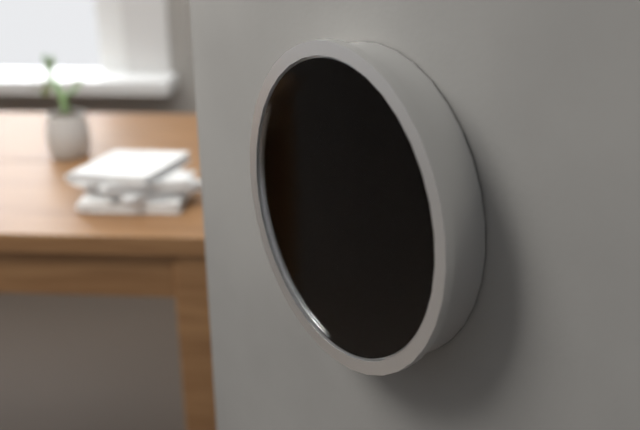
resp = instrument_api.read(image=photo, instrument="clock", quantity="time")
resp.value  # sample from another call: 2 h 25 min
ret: 3 h 02 min
